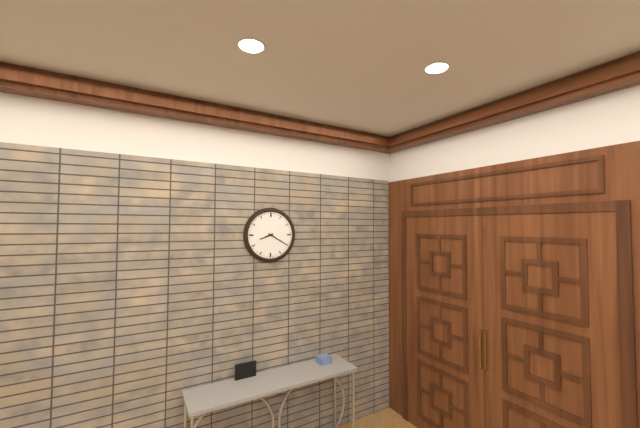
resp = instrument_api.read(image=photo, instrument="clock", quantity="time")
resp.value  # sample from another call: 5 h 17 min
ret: 8 h 20 min
